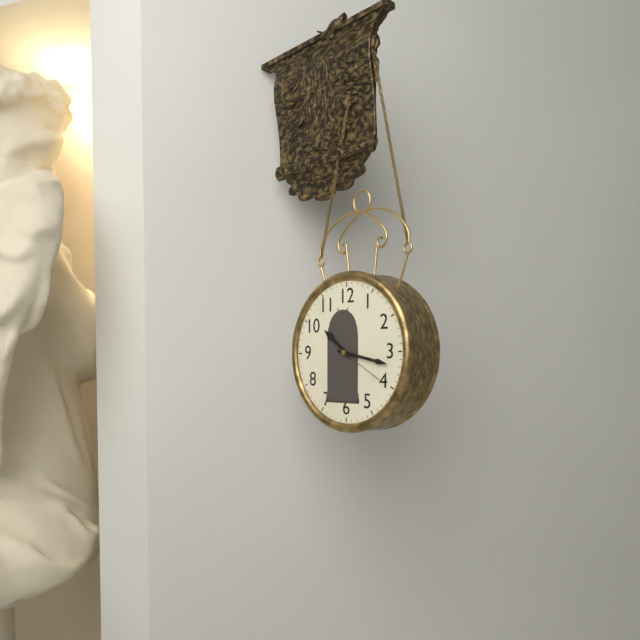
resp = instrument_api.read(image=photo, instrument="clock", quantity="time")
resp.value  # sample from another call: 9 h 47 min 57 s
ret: 10 h 17 min 20 s
